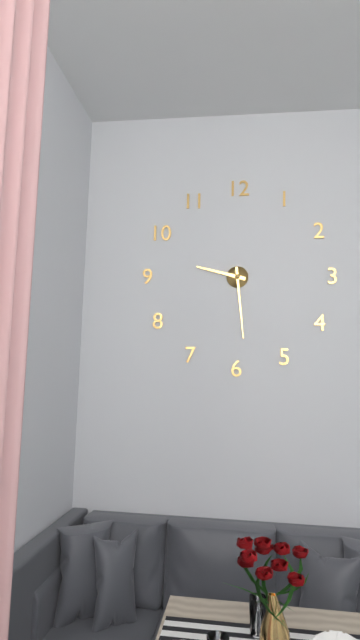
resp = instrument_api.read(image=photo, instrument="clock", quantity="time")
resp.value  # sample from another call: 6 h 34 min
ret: 9 h 29 min
